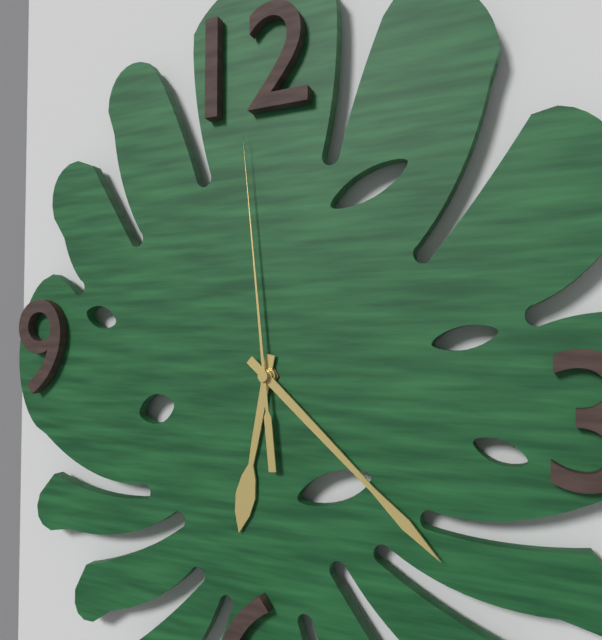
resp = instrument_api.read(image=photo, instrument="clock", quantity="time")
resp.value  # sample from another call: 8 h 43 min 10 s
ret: 6 h 22 min 59 s
